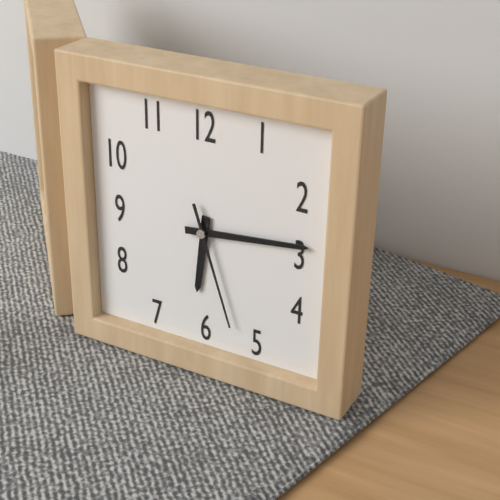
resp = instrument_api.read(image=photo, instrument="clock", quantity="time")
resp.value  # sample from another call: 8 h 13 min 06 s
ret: 6 h 14 min 27 s
